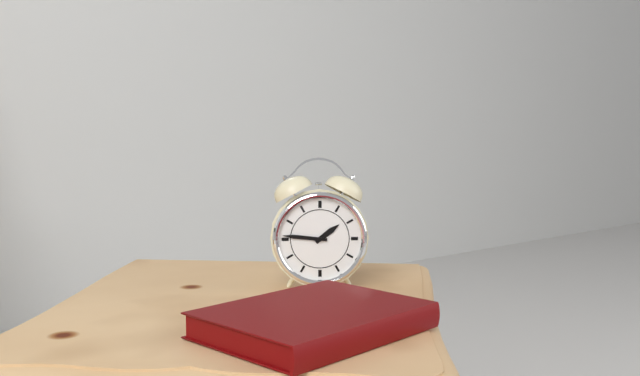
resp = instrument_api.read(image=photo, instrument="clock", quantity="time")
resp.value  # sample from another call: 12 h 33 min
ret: 1 h 46 min
